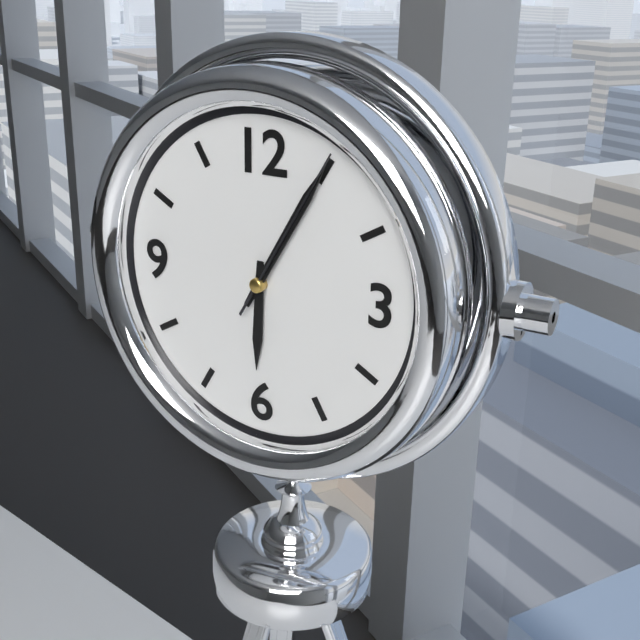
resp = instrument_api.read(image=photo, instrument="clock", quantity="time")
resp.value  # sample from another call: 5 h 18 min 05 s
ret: 6 h 05 min 05 s
